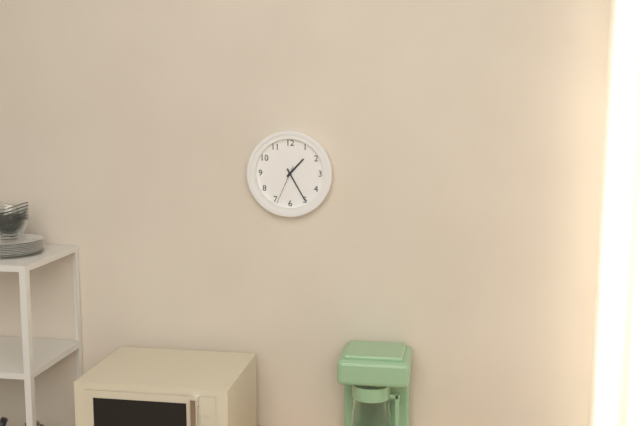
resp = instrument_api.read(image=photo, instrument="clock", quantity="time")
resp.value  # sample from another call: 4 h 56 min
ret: 1 h 25 min
